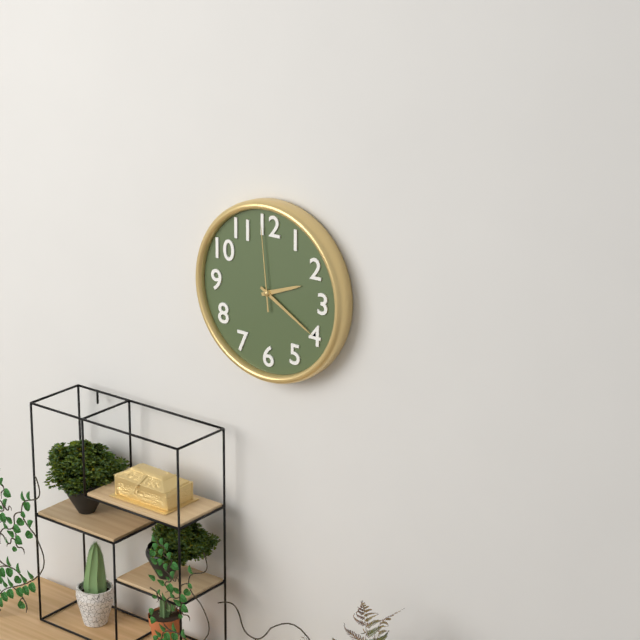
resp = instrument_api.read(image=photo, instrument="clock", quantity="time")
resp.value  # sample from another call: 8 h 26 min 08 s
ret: 2 h 20 min 59 s
